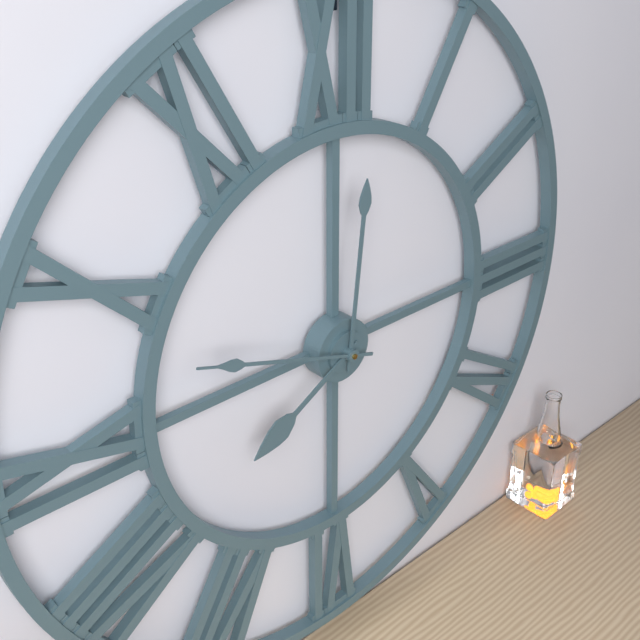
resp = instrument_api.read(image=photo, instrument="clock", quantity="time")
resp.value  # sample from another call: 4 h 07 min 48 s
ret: 8 h 01 min 48 s
